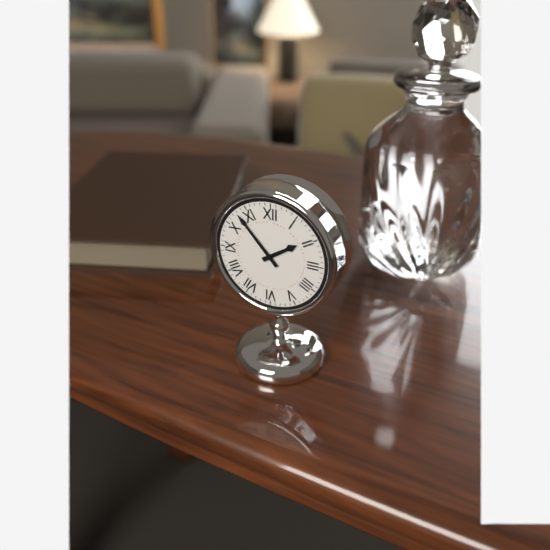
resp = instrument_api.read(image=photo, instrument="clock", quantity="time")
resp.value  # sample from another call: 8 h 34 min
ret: 1 h 53 min
